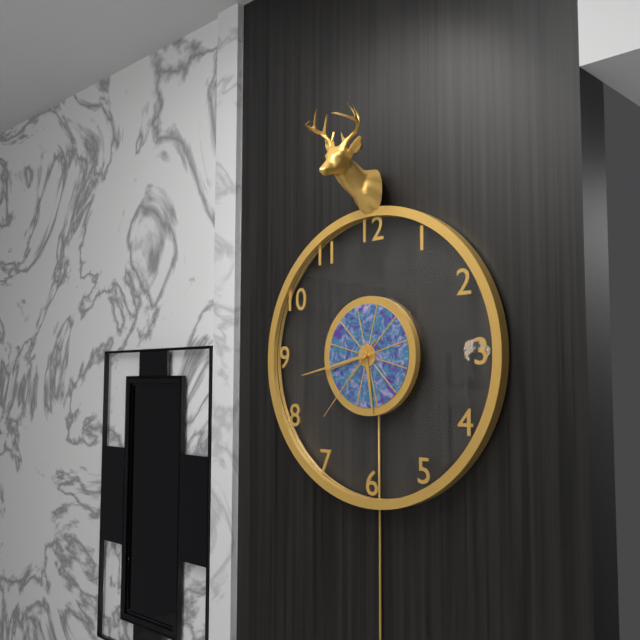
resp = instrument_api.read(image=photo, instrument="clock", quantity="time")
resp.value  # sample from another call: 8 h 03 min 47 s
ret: 5 h 43 min 37 s
